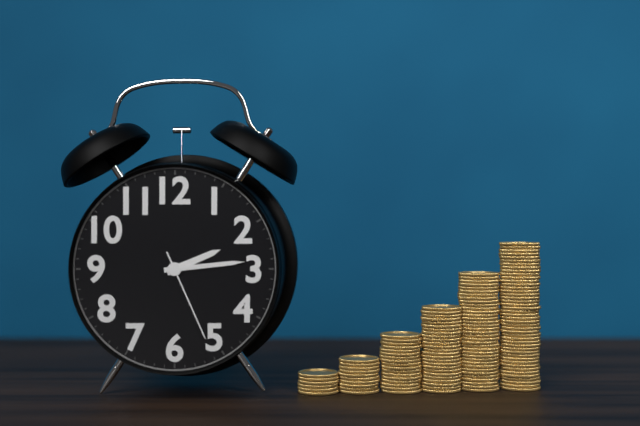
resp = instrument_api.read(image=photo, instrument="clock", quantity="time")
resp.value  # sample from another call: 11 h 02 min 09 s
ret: 2 h 14 min 26 s
